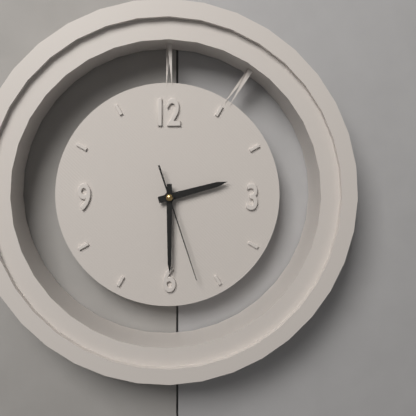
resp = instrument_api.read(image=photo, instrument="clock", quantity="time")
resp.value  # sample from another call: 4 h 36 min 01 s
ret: 2 h 30 min 27 s
